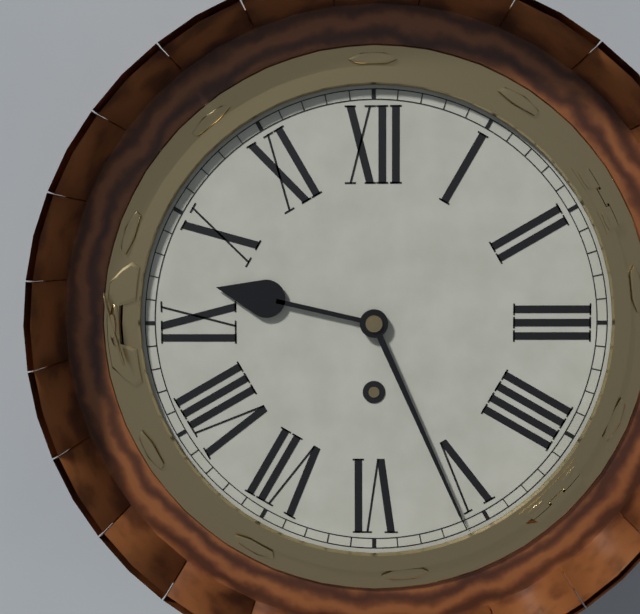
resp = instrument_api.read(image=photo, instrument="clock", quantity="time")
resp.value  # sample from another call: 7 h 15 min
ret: 9 h 26 min
